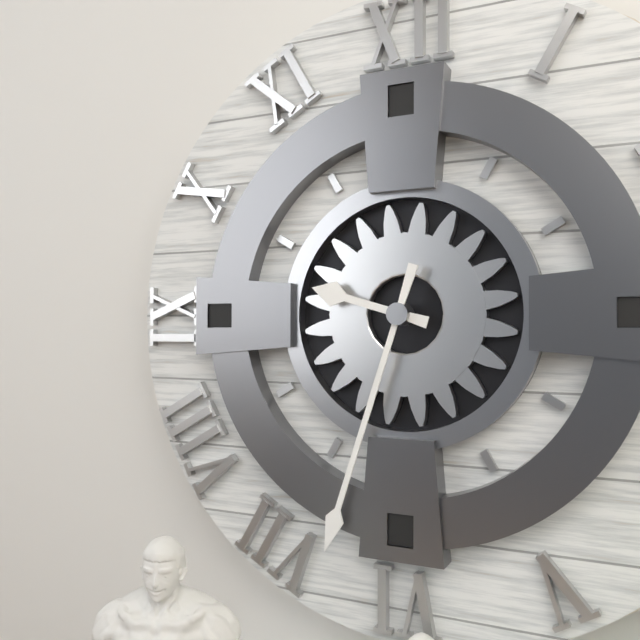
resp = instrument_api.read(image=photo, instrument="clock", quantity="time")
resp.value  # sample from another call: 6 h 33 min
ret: 9 h 33 min
